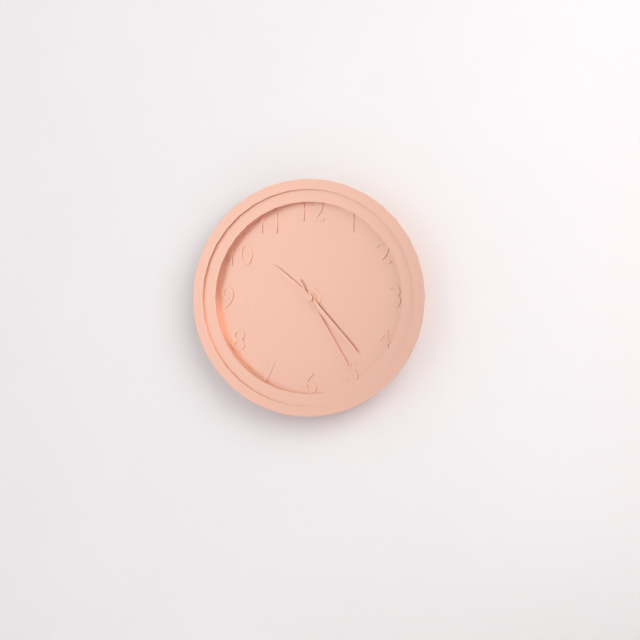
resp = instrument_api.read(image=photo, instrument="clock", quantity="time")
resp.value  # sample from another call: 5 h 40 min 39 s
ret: 10 h 23 min 25 s
